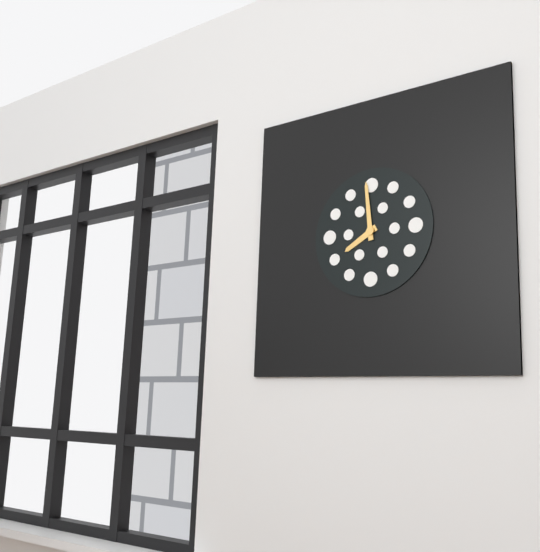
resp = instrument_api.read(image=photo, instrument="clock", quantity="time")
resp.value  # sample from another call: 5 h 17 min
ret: 7 h 59 min
